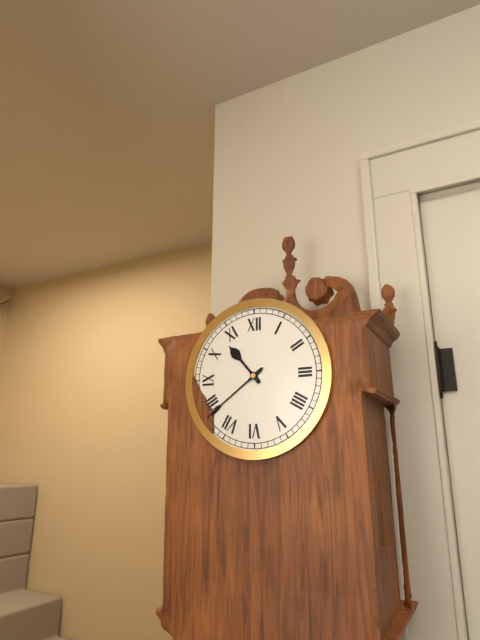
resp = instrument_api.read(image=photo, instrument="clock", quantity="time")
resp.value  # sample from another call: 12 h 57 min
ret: 10 h 39 min
